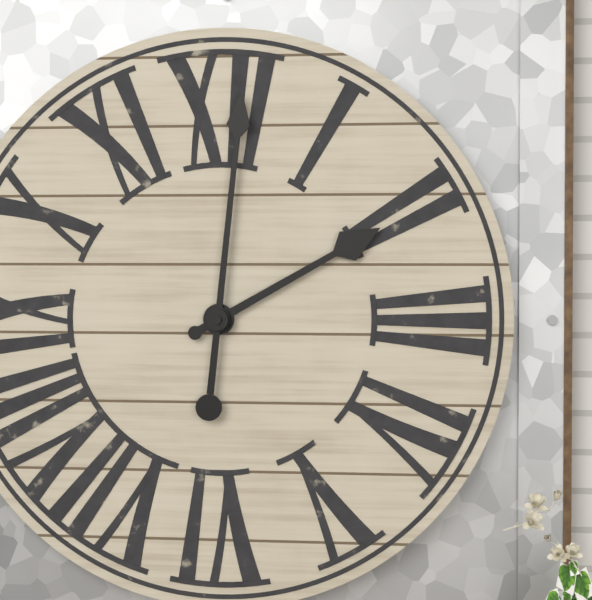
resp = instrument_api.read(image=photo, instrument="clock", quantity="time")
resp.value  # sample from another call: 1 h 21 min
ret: 2 h 01 min
